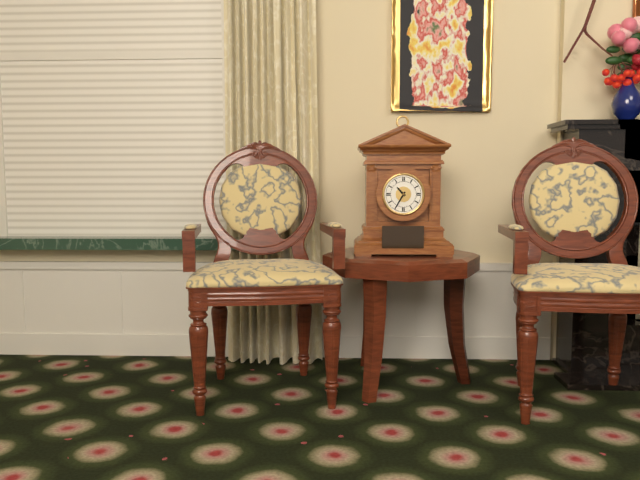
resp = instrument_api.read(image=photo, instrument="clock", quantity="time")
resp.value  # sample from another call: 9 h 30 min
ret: 10 h 35 min
